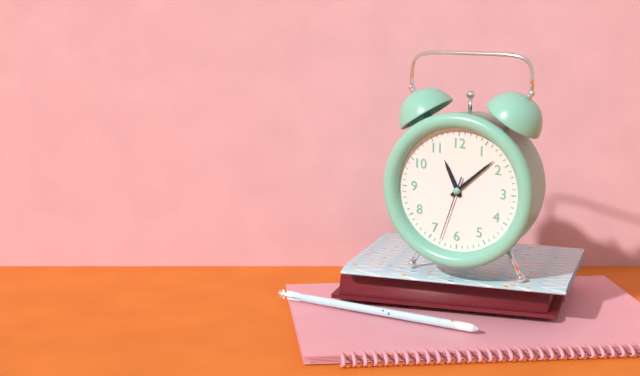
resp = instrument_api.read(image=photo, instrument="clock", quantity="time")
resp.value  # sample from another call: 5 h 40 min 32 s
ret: 11 h 08 min 33 s
